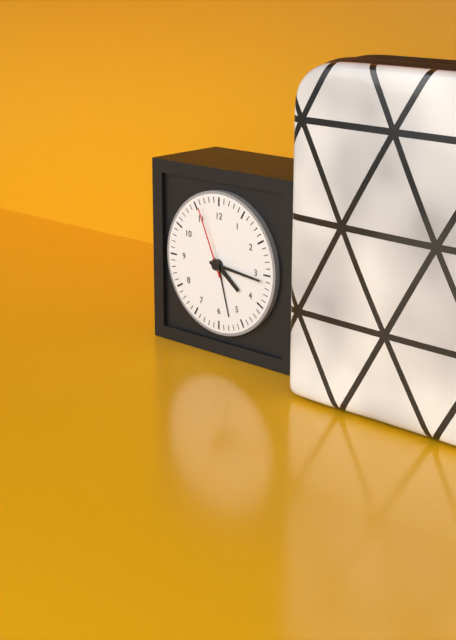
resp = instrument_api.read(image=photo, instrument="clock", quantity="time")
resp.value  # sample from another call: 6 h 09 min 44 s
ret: 4 h 16 min 56 s
